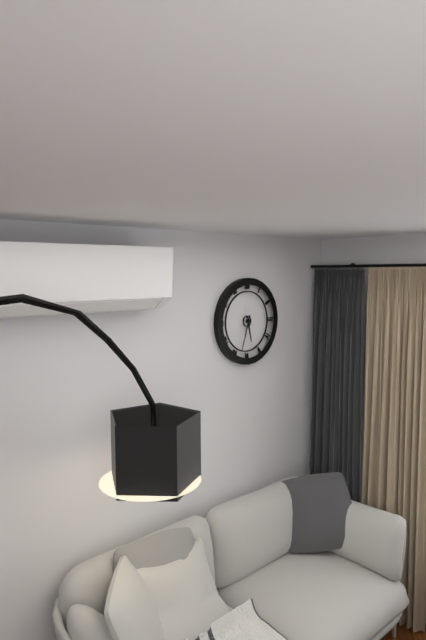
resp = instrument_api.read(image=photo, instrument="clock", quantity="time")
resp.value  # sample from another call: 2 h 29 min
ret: 5 h 33 min
